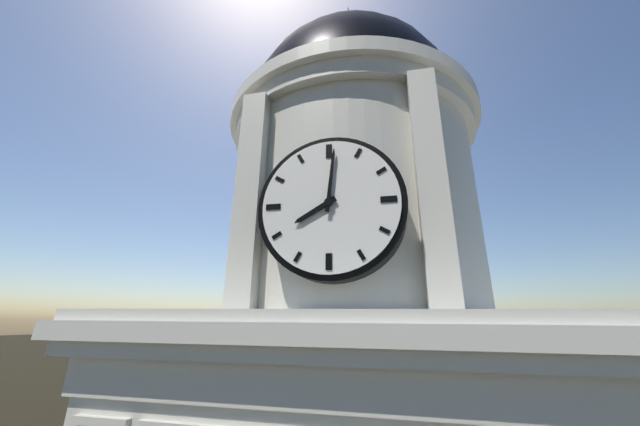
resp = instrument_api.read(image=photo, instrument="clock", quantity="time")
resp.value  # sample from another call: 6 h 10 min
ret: 8 h 01 min
